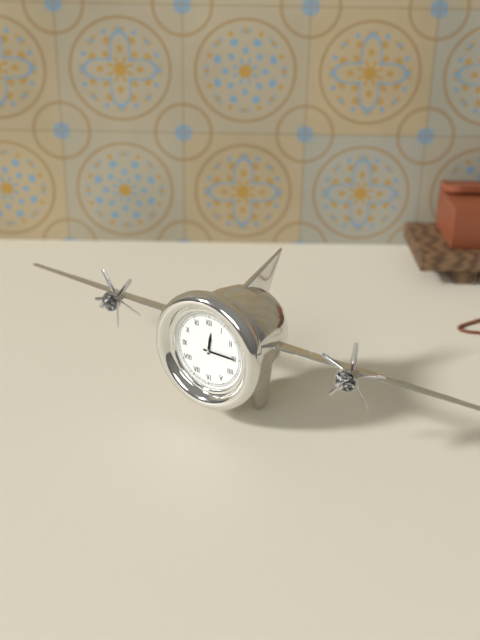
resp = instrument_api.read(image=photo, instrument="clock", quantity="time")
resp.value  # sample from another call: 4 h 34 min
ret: 12 h 15 min
